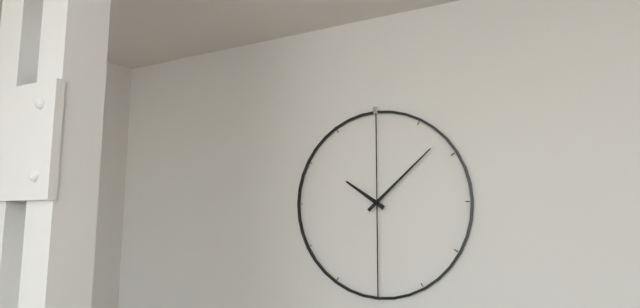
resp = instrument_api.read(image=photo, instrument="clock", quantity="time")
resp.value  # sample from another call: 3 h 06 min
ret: 10 h 08 min
